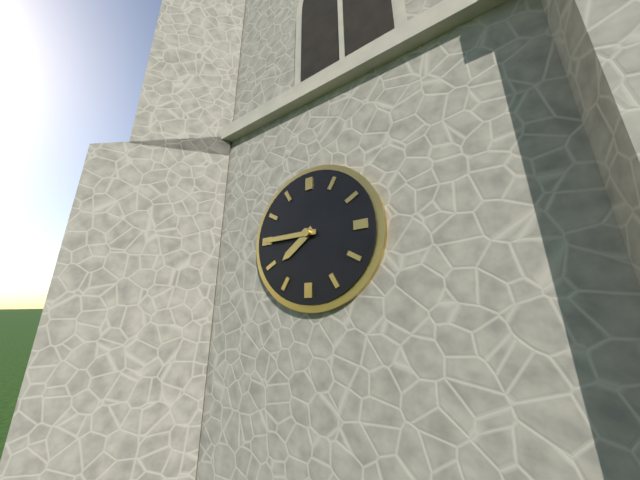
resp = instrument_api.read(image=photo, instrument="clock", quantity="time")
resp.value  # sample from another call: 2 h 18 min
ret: 7 h 45 min
